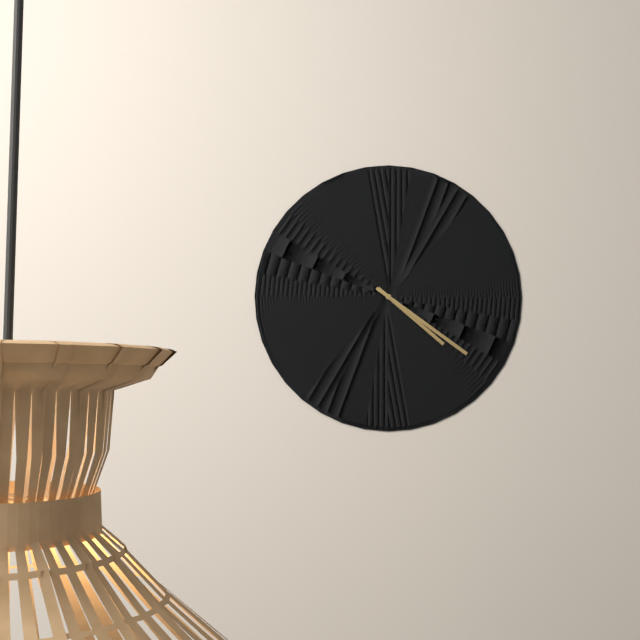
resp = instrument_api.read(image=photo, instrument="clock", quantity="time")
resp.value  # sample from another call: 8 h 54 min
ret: 4 h 21 min
